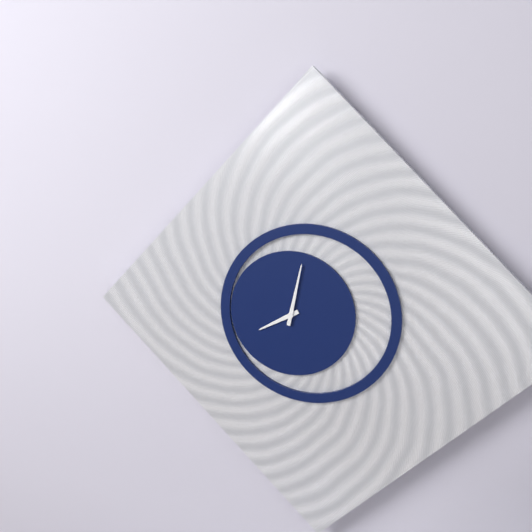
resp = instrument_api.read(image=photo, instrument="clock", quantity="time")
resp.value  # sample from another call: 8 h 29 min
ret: 8 h 02 min
